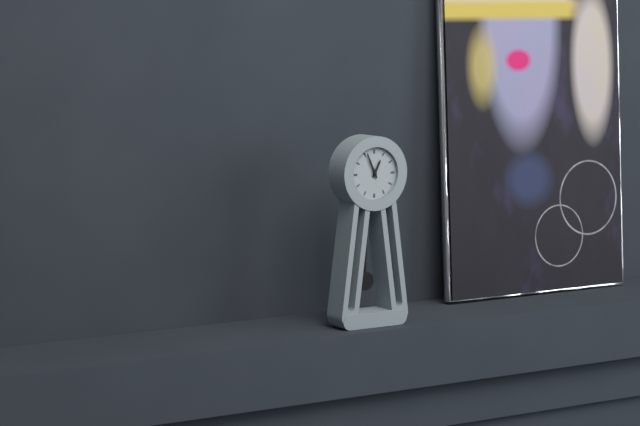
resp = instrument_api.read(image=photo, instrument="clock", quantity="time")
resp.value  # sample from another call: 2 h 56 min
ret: 12 h 56 min
